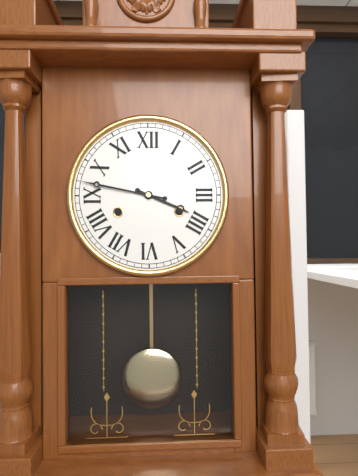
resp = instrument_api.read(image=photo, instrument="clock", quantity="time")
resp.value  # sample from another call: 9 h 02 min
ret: 3 h 47 min
